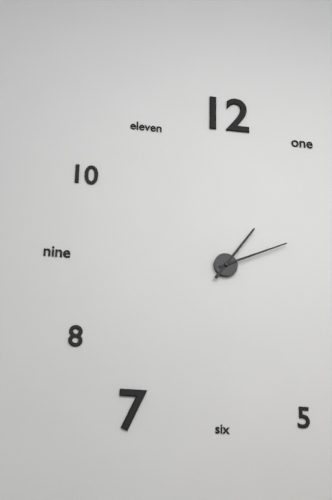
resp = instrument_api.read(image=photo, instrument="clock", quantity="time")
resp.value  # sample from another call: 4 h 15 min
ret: 1 h 11 min
